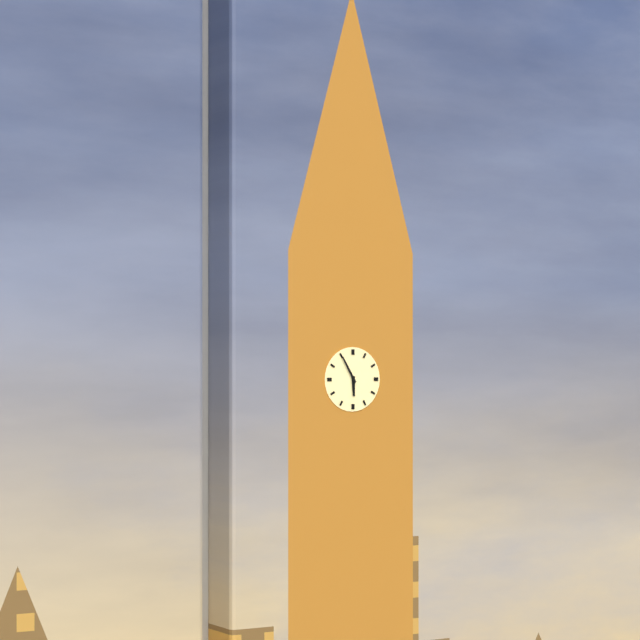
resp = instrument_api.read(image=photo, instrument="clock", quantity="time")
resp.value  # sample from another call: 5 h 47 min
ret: 5 h 55 min
